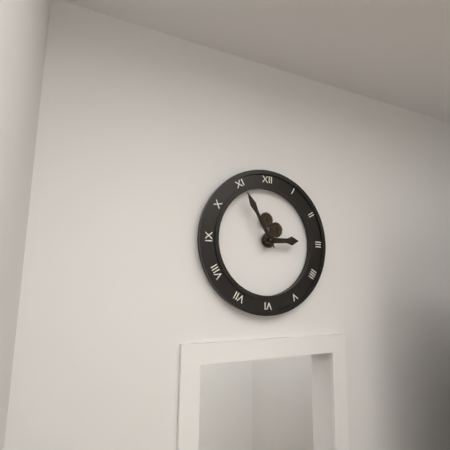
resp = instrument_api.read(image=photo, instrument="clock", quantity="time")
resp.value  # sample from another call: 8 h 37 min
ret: 2 h 55 min
